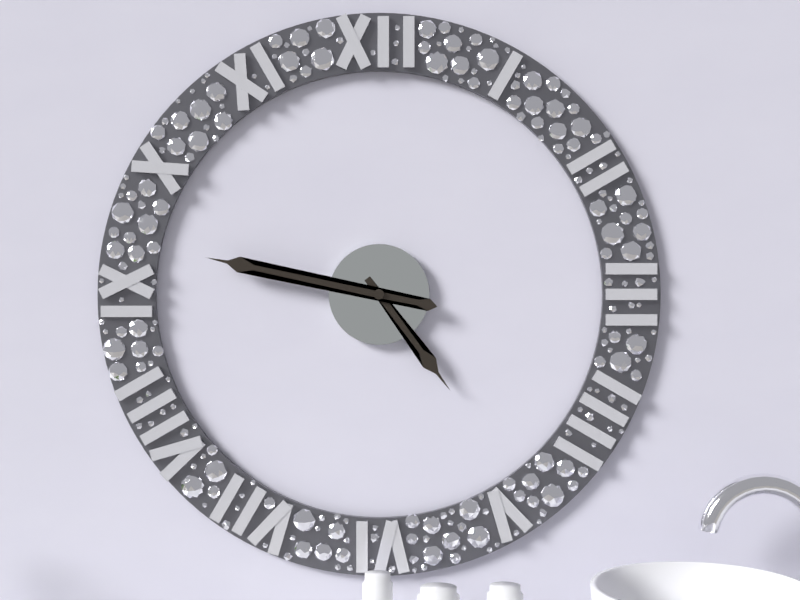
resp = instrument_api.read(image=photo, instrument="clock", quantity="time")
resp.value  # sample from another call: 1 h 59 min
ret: 4 h 47 min
